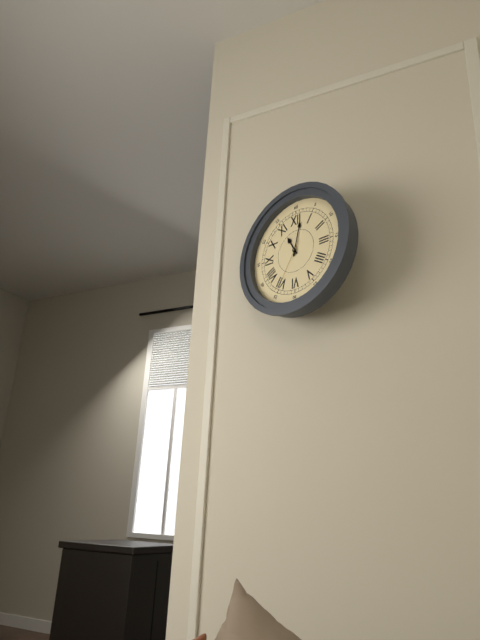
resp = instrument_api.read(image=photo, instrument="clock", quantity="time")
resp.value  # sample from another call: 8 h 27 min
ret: 11 h 02 min
